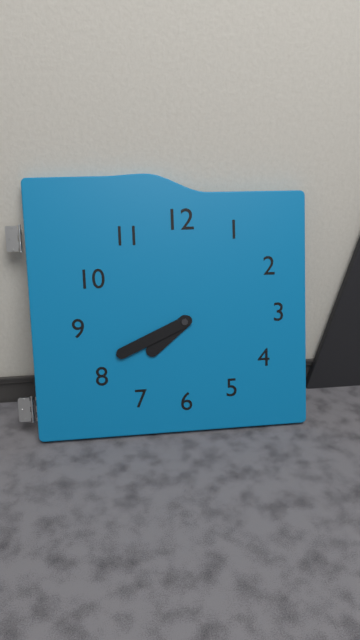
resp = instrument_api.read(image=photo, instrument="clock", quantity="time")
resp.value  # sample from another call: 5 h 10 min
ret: 7 h 41 min
